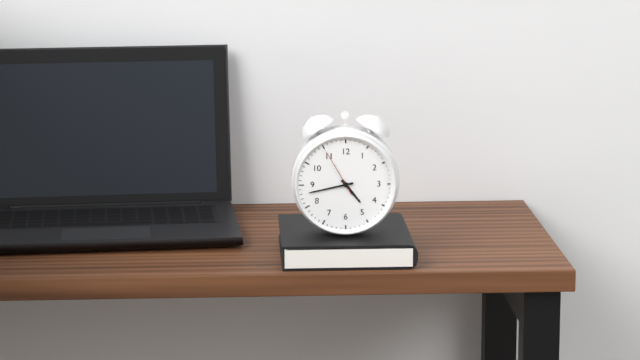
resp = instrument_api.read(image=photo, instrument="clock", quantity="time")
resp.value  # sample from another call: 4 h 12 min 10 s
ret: 4 h 43 min 55 s
